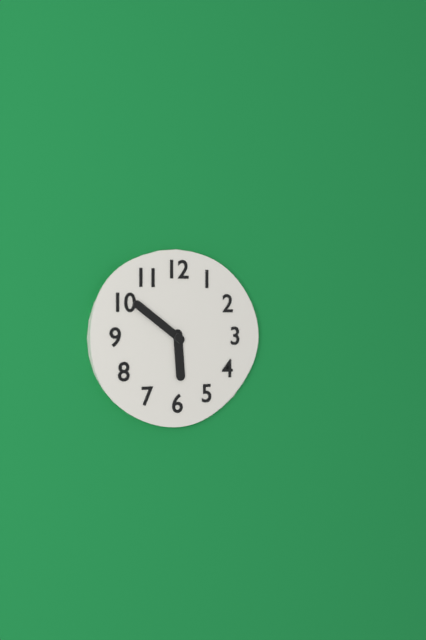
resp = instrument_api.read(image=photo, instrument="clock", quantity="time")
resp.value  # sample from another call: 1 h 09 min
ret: 5 h 51 min
